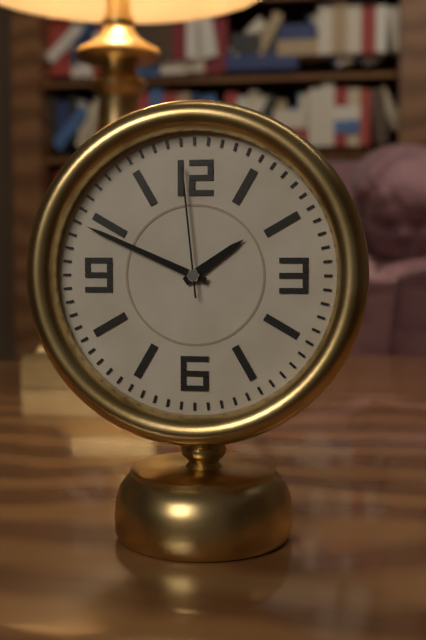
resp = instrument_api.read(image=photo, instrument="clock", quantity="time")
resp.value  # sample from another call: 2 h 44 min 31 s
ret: 1 h 49 min 59 s
